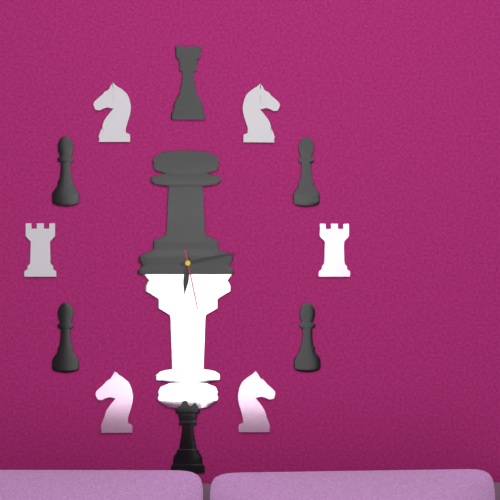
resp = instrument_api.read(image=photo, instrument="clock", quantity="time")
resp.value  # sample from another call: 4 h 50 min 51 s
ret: 6 h 13 min 28 s
